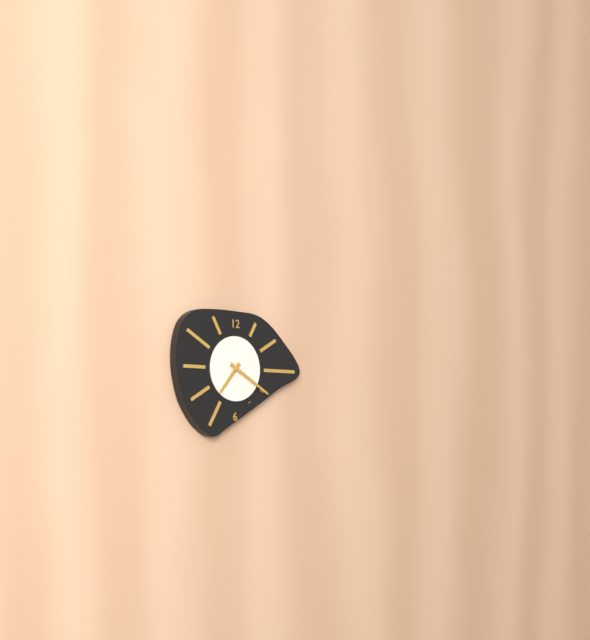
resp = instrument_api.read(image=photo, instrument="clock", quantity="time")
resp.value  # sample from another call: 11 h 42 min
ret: 7 h 20 min
